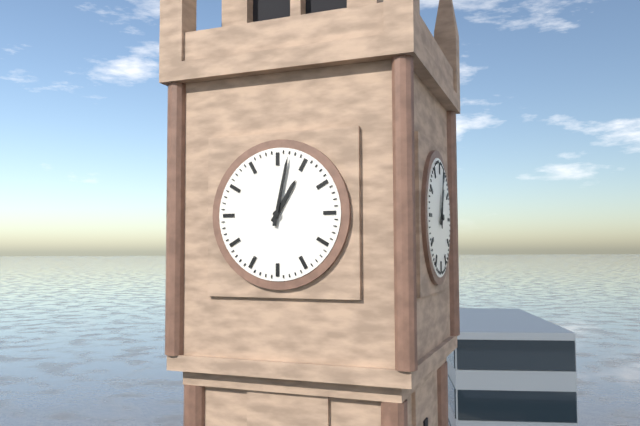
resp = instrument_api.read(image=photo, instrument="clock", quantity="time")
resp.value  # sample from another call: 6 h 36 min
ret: 1 h 02 min
